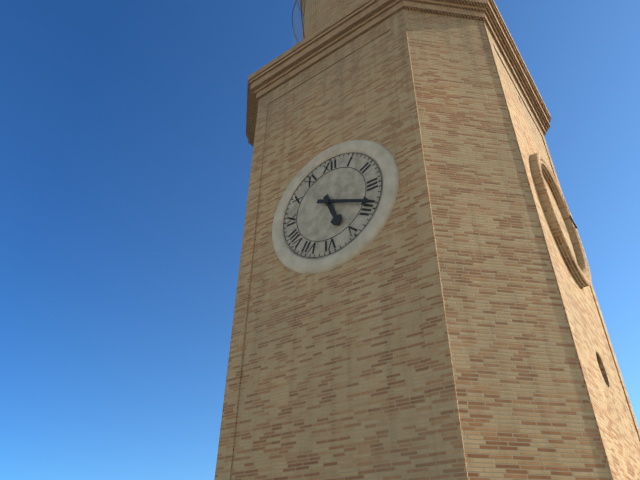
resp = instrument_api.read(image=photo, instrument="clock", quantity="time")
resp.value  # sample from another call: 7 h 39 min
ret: 5 h 19 min
